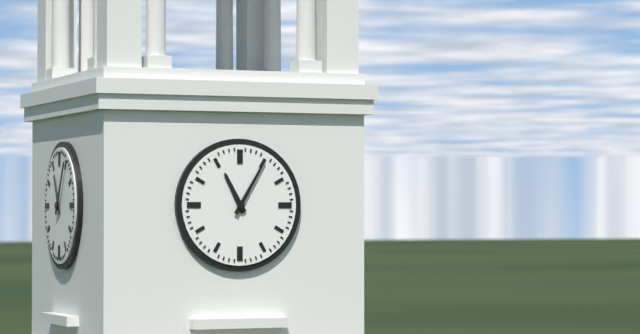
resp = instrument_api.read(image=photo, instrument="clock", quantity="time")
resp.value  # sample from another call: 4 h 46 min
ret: 11 h 05 min
